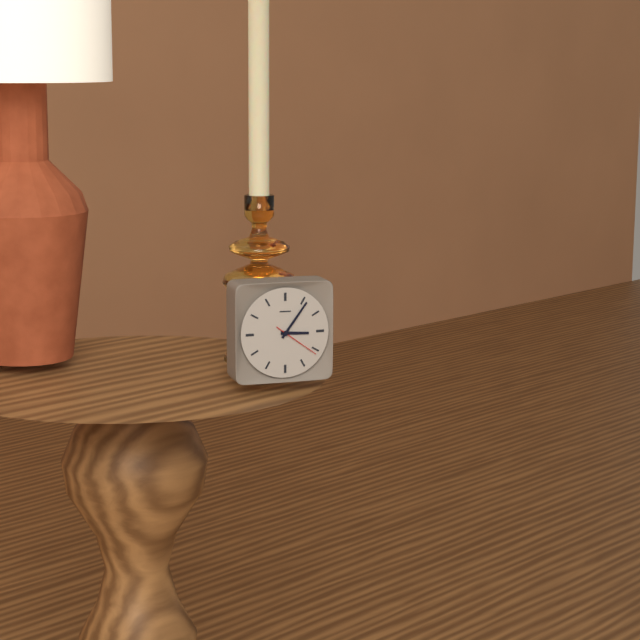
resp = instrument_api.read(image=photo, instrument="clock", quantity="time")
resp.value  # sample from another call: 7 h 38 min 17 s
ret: 3 h 06 min 21 s
